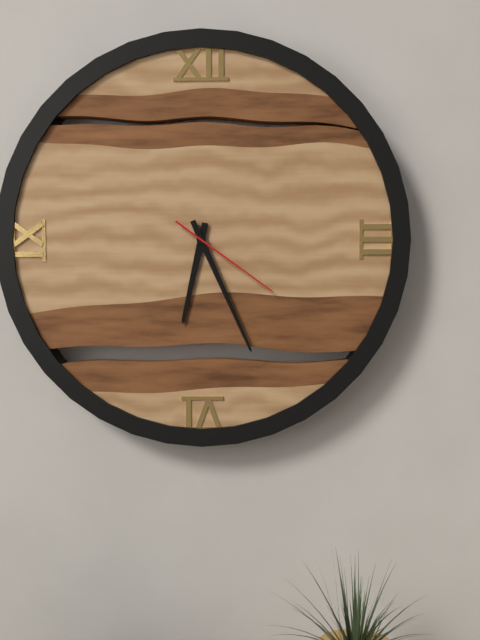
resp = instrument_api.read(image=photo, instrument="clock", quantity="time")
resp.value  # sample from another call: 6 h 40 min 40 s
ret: 6 h 26 min 21 s
